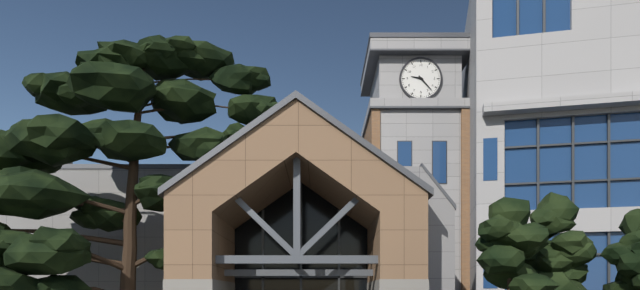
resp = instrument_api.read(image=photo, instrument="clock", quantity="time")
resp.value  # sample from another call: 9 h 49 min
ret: 9 h 23 min
